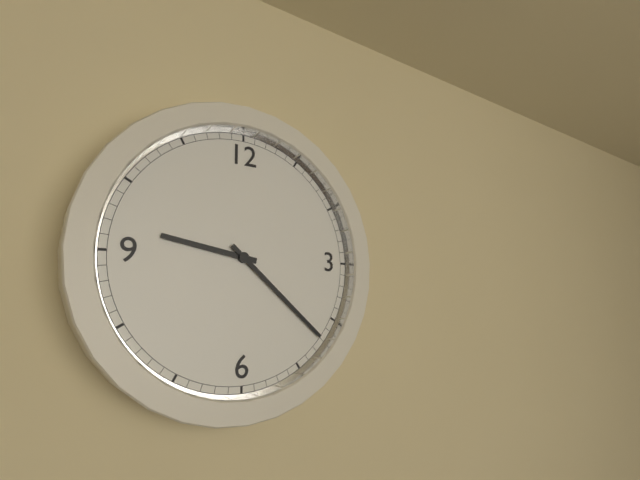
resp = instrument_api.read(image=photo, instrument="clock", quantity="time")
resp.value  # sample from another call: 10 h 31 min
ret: 9 h 22 min
